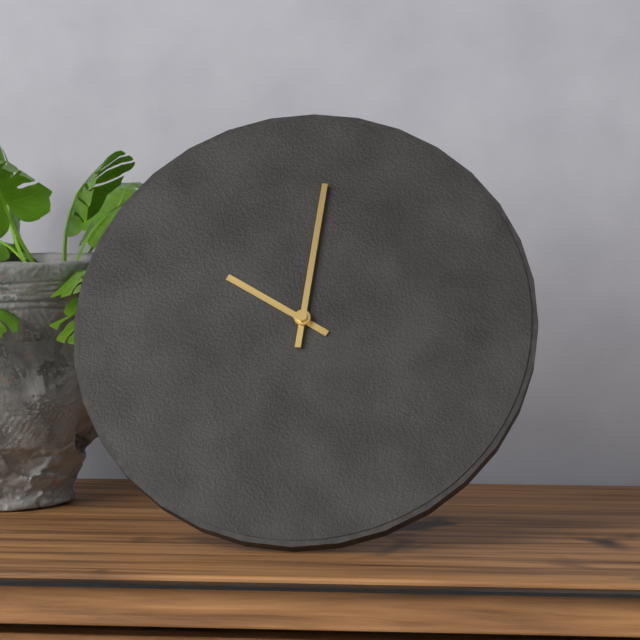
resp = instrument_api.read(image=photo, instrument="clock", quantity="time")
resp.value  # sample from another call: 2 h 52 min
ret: 10 h 01 min
